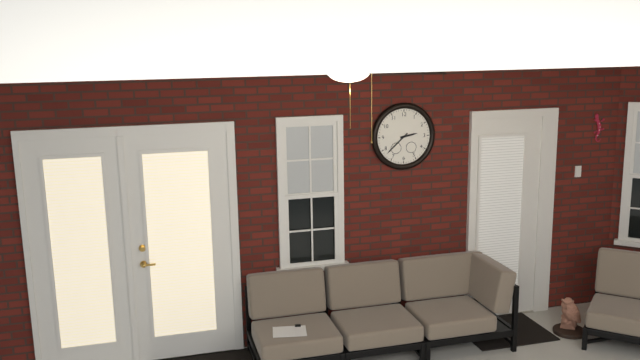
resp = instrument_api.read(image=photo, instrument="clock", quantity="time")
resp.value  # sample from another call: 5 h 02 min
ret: 2 h 38 min
